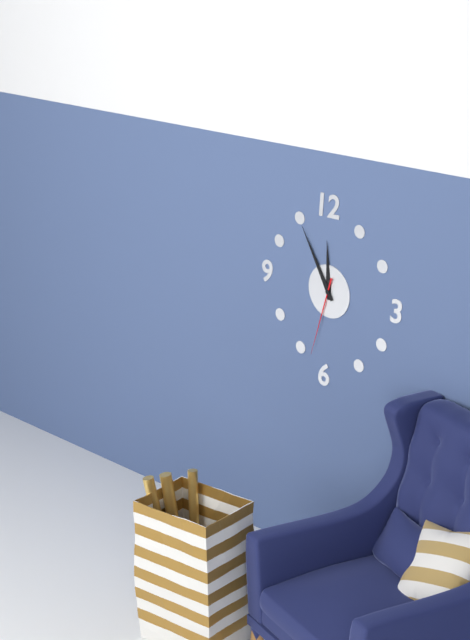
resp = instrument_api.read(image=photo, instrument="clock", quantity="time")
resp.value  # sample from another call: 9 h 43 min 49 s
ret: 11 h 55 min 33 s
